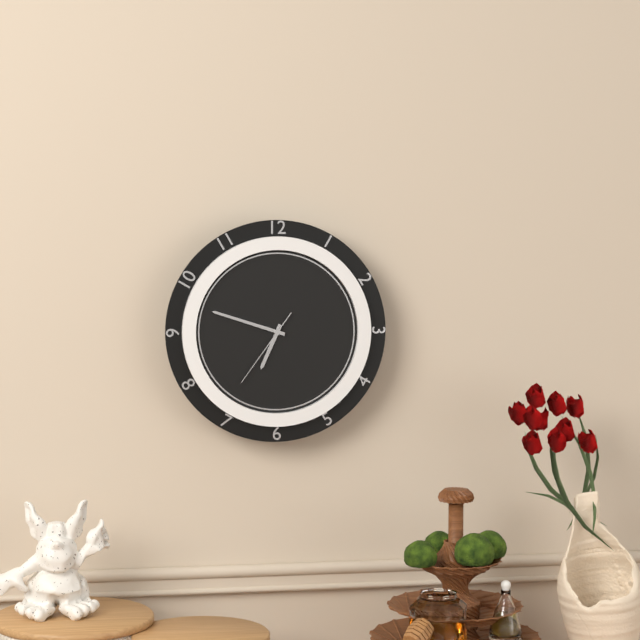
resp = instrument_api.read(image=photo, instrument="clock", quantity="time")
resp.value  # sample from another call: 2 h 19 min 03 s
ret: 6 h 48 min 36 s
